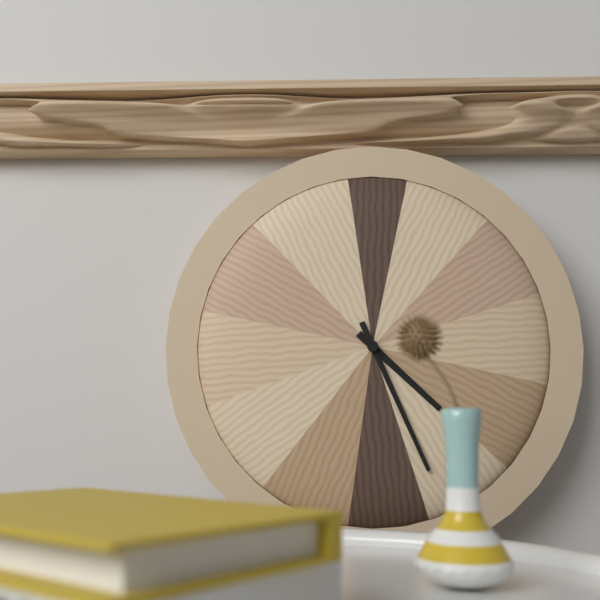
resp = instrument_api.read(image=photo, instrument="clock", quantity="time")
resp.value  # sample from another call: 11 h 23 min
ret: 4 h 26 min
